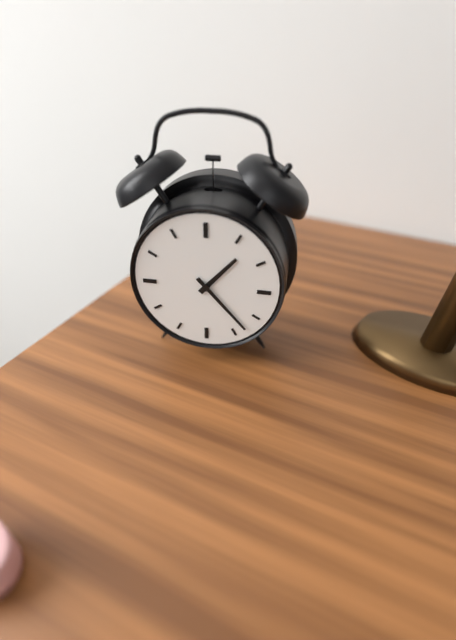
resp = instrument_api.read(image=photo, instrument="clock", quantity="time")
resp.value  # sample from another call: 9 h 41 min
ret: 1 h 23 min
